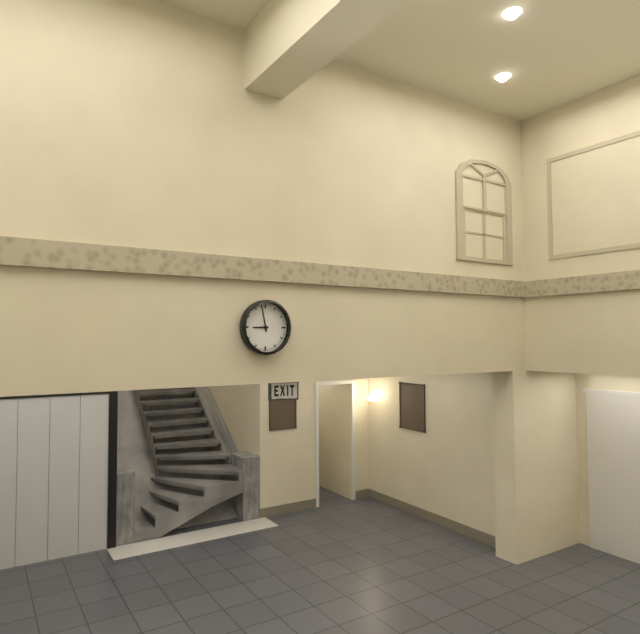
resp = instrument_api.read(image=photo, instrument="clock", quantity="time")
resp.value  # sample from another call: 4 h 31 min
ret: 8 h 58 min
